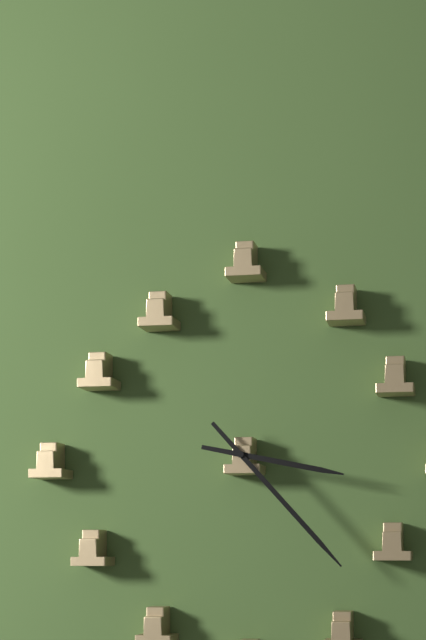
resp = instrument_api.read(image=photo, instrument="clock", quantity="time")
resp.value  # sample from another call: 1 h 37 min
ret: 3 h 23 min
